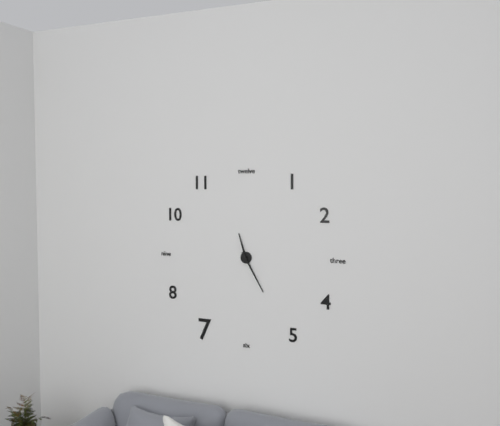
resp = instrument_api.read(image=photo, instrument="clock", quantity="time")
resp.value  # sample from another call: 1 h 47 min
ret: 11 h 25 min
